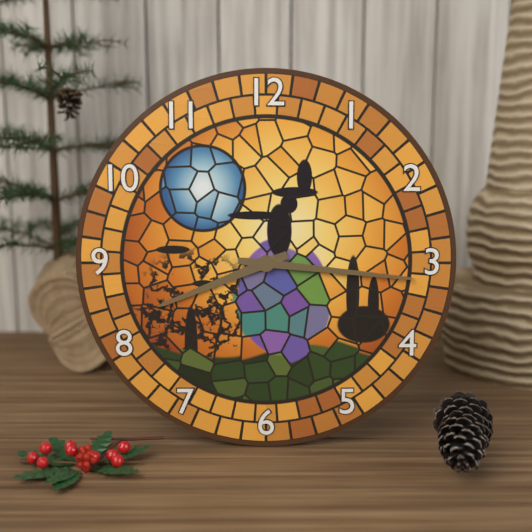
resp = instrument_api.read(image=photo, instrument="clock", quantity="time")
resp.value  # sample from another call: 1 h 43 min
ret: 8 h 16 min
